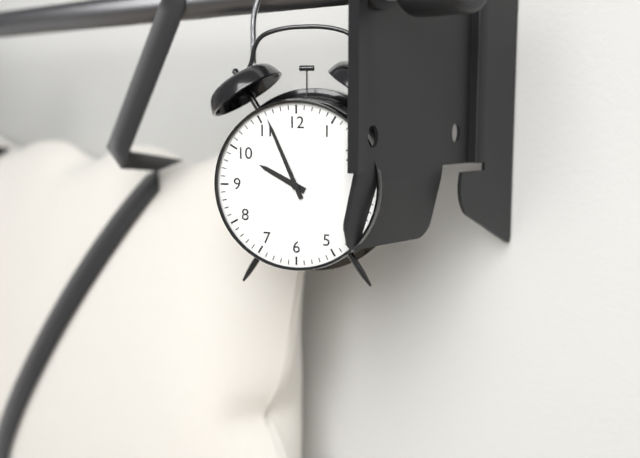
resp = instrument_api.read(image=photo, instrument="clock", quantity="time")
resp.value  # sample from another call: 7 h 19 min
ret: 9 h 56 min
